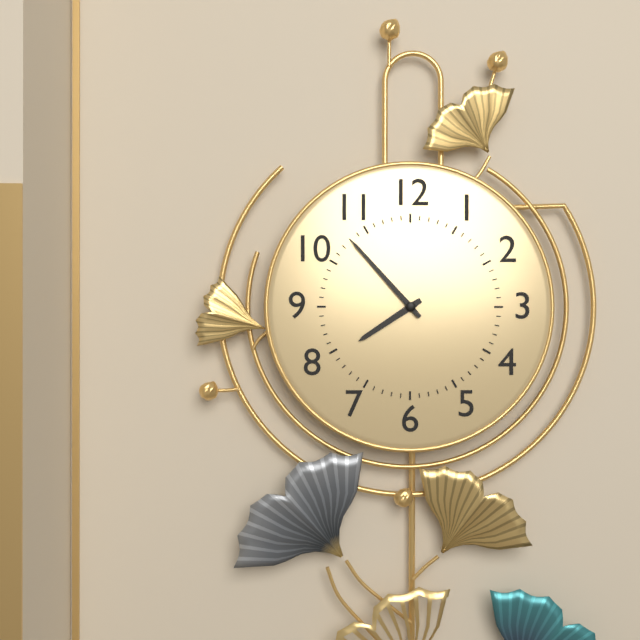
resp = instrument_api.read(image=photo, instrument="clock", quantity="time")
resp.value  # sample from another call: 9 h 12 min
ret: 7 h 53 min
